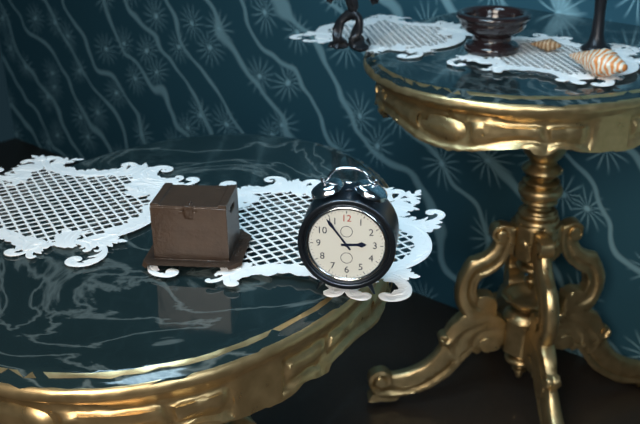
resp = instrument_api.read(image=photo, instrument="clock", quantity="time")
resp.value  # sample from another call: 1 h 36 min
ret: 2 h 54 min
